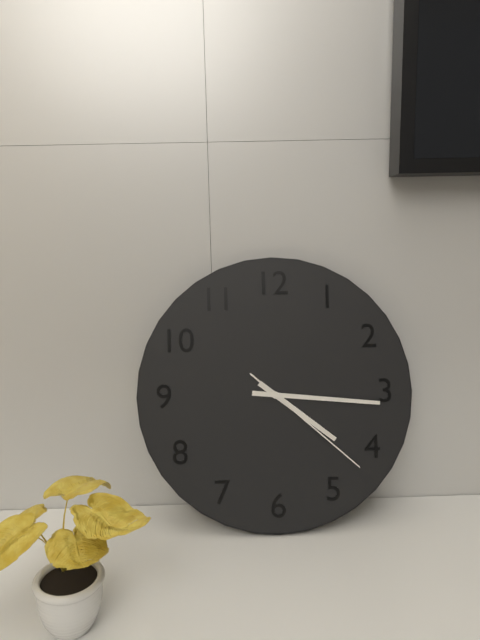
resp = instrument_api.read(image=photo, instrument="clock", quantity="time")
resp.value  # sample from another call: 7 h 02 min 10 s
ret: 4 h 16 min 22 s
